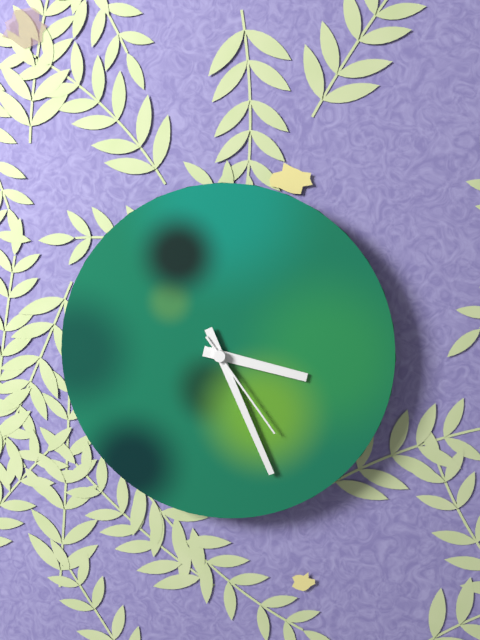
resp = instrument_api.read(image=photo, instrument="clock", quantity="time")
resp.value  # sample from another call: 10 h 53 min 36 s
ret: 3 h 26 min 24 s
